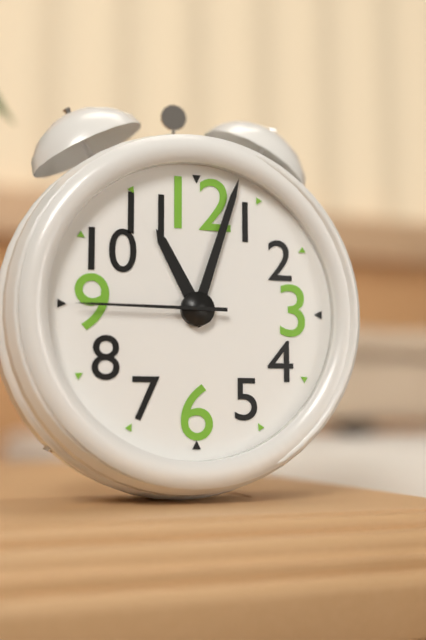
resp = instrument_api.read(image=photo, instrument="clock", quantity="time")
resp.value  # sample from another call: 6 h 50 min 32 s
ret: 11 h 03 min 45 s
